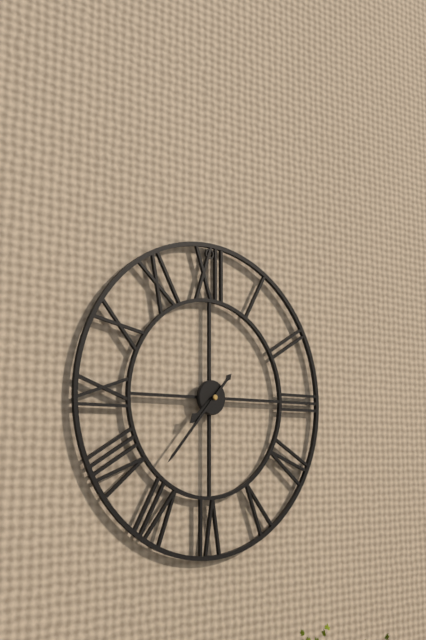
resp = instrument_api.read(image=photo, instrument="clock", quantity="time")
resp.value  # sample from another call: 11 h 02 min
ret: 7 h 37 min
